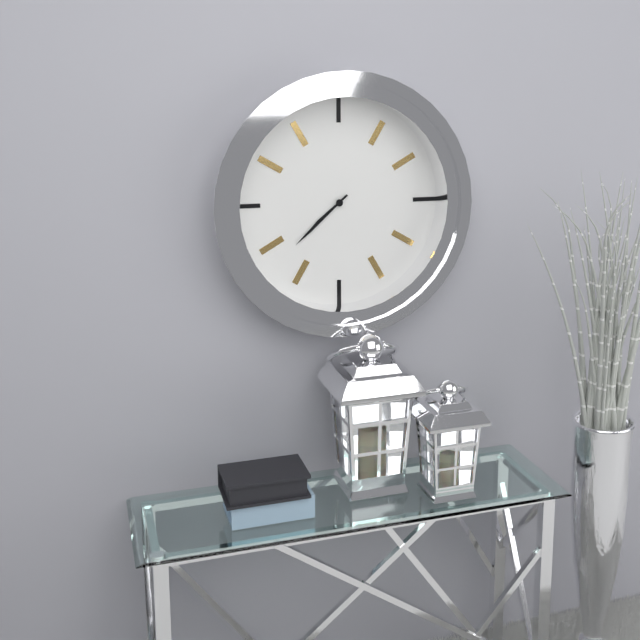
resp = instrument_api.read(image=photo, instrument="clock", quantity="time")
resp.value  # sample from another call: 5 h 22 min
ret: 7 h 38 min
